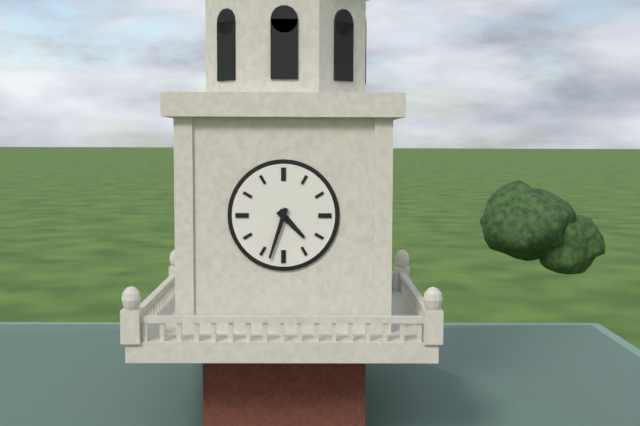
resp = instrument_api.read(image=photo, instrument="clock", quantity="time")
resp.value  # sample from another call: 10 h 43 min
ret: 4 h 33 min
